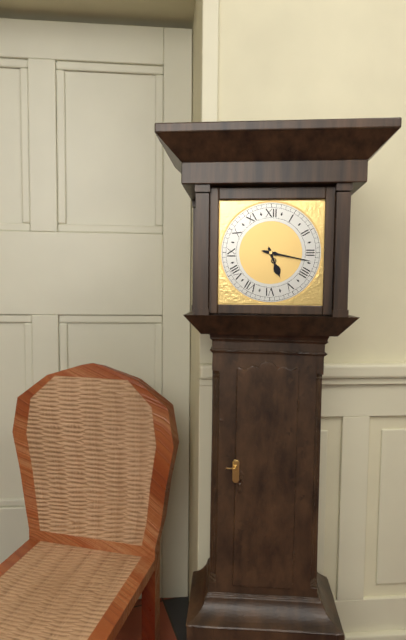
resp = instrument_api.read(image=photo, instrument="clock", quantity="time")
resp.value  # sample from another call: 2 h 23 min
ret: 5 h 17 min
